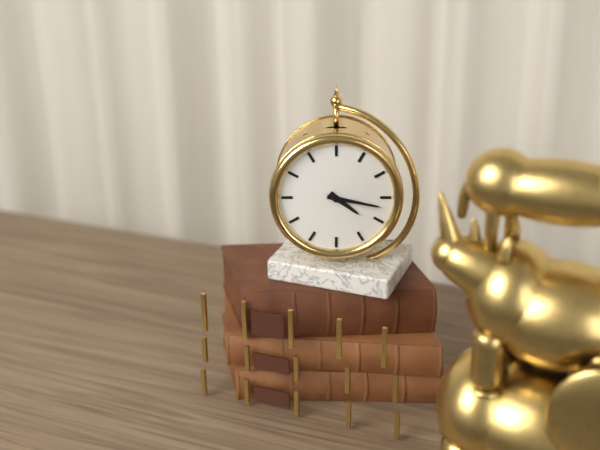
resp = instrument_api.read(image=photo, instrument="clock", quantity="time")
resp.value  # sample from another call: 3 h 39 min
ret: 4 h 17 min
